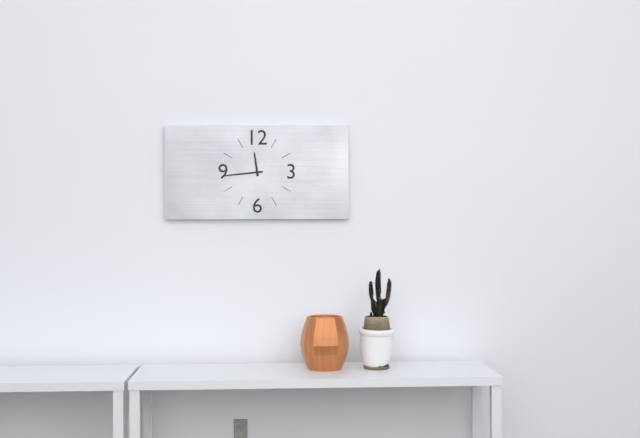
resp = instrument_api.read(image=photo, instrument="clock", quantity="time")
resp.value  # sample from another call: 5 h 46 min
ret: 11 h 44 min
